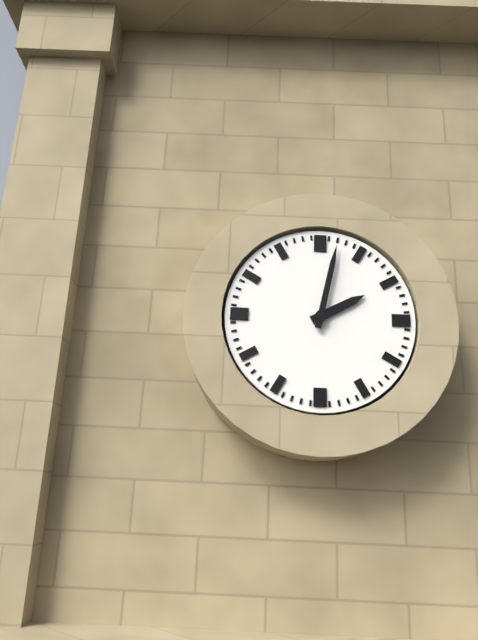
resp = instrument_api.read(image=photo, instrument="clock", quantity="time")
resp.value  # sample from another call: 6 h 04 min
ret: 2 h 02 min
